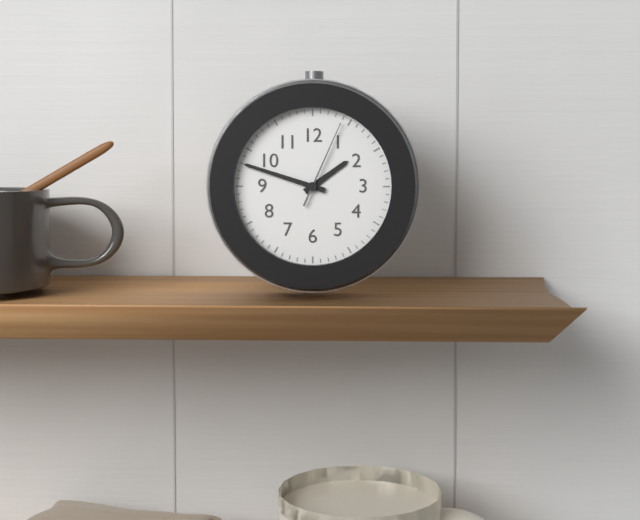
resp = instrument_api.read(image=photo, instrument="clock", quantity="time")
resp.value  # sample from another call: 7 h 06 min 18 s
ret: 1 h 48 min 04 s
